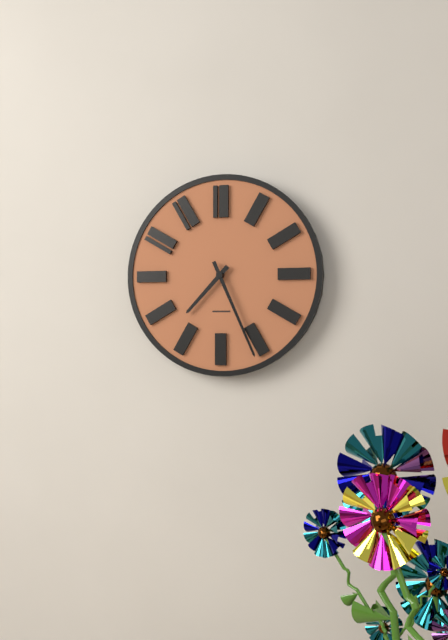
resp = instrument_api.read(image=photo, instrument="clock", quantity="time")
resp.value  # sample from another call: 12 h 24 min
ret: 7 h 26 min
